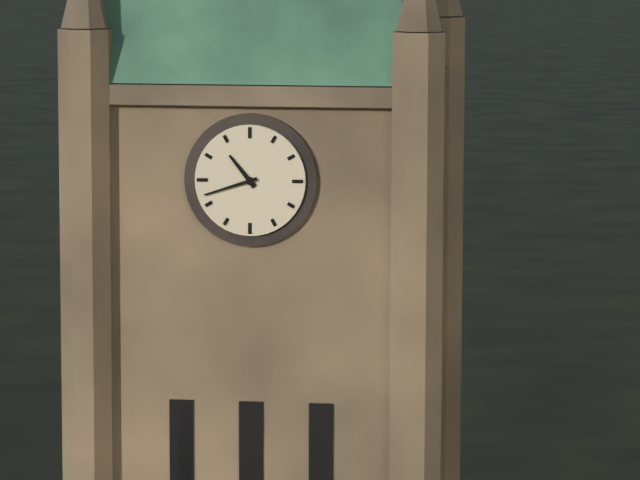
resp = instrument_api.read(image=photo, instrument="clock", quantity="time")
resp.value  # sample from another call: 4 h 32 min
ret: 10 h 42 min
